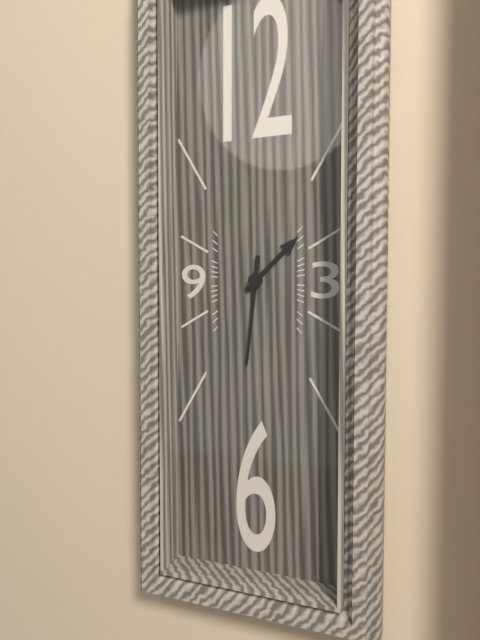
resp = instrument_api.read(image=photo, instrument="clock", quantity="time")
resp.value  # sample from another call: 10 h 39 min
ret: 1 h 31 min
